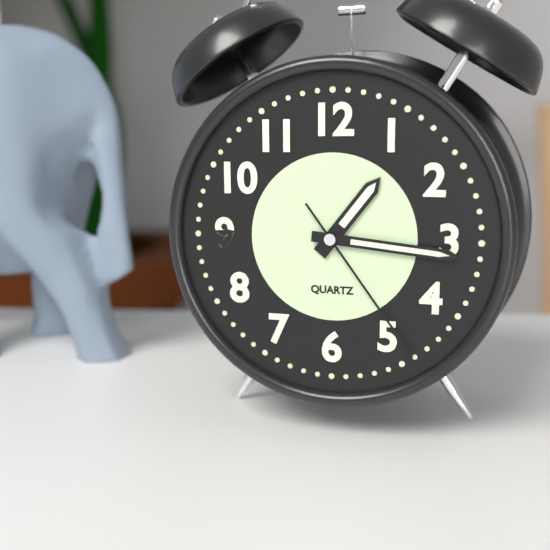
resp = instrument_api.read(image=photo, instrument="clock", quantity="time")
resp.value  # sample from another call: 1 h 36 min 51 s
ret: 1 h 16 min 24 s
